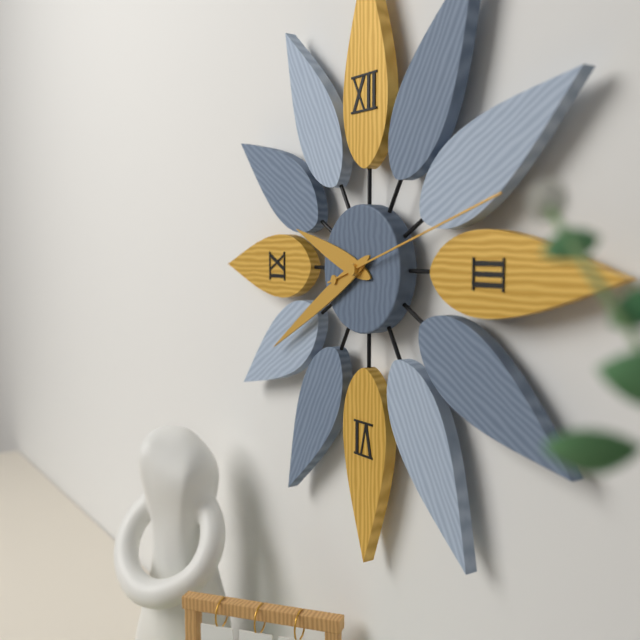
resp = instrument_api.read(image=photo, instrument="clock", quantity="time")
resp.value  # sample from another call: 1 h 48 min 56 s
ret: 9 h 40 min 12 s
